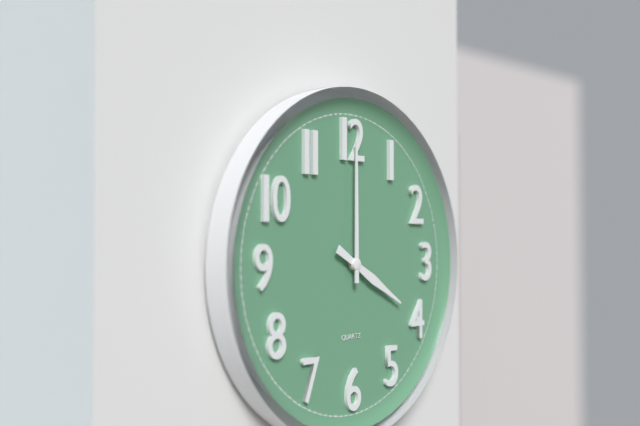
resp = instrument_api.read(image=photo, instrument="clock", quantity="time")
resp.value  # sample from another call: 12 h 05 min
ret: 4 h 00 min
